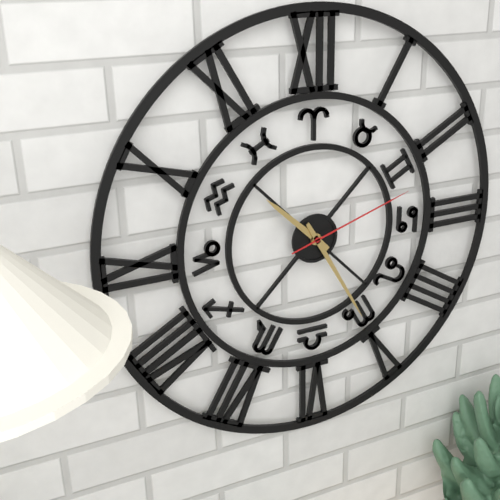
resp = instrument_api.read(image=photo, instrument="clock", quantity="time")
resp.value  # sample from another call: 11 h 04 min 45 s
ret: 10 h 25 min 12 s
